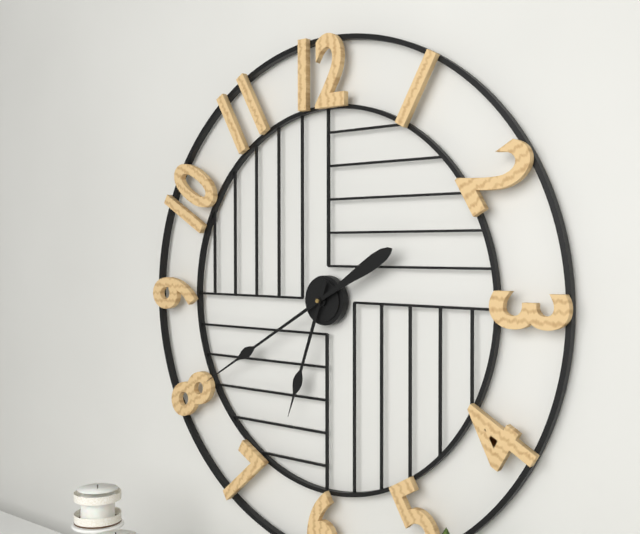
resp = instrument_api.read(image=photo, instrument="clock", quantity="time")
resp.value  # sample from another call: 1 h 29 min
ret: 6 h 40 min
